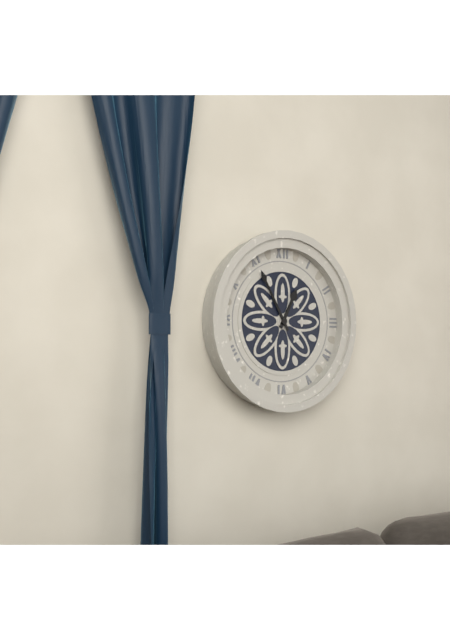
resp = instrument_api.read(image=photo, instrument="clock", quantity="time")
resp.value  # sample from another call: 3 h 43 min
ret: 12 h 55 min
